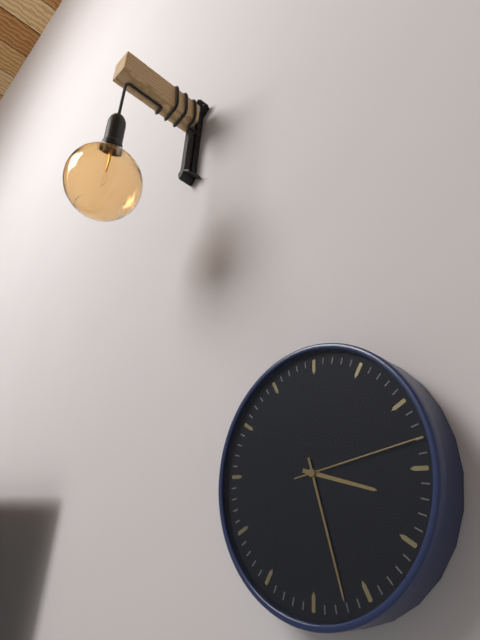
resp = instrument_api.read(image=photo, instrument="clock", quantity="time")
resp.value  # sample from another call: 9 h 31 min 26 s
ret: 3 h 27 min 13 s
